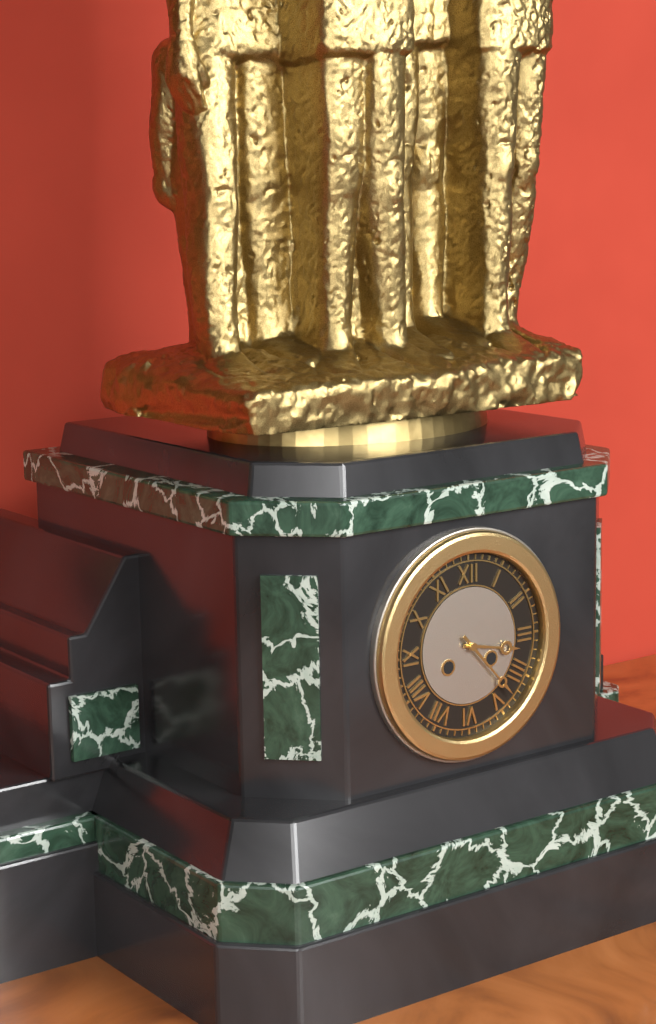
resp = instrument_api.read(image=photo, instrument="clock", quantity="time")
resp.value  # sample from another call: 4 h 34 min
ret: 3 h 23 min
